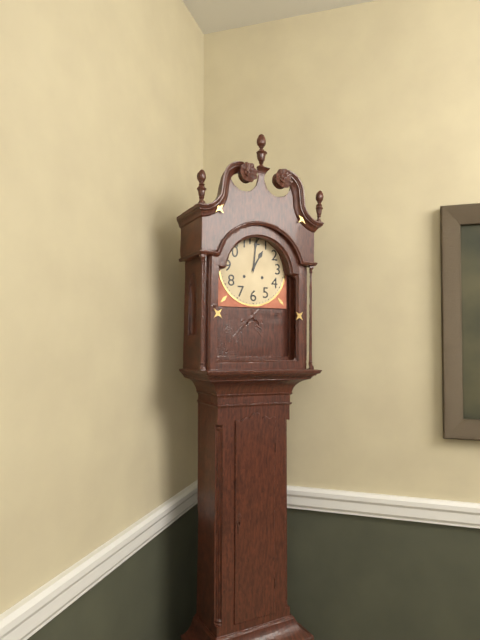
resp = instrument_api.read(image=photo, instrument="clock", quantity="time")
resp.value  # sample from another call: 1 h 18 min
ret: 1 h 01 min
